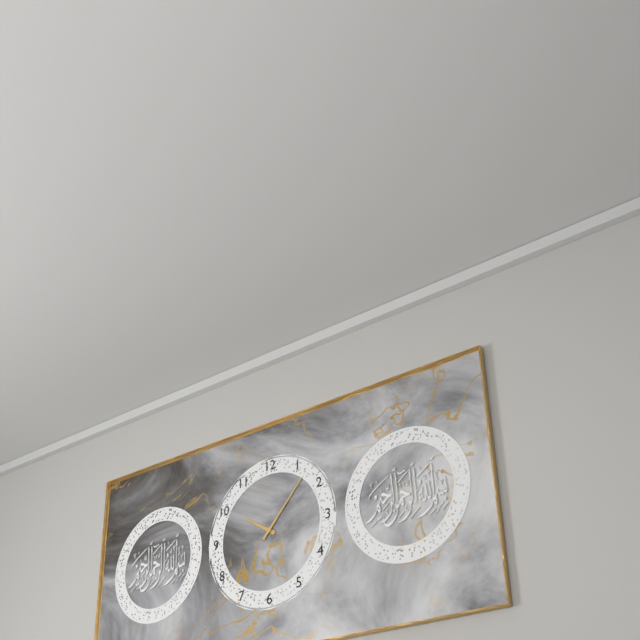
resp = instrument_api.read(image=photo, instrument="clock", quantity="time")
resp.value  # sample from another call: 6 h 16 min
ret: 10 h 07 min
